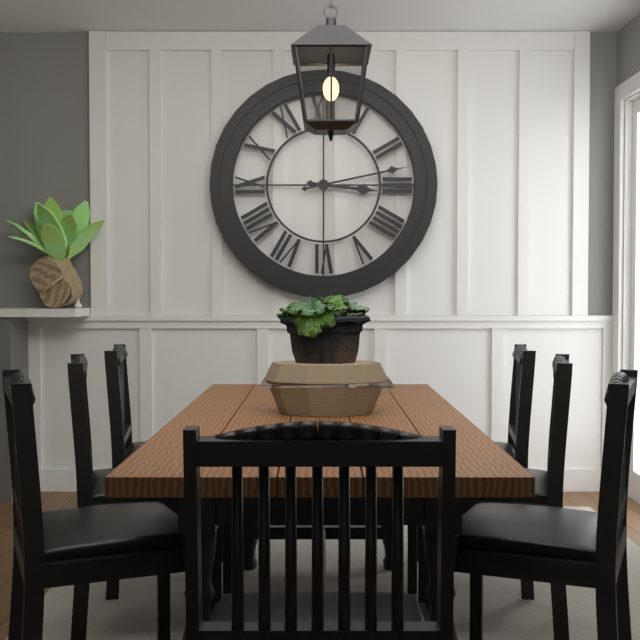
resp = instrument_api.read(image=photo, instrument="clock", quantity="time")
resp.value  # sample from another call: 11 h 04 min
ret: 3 h 13 min
